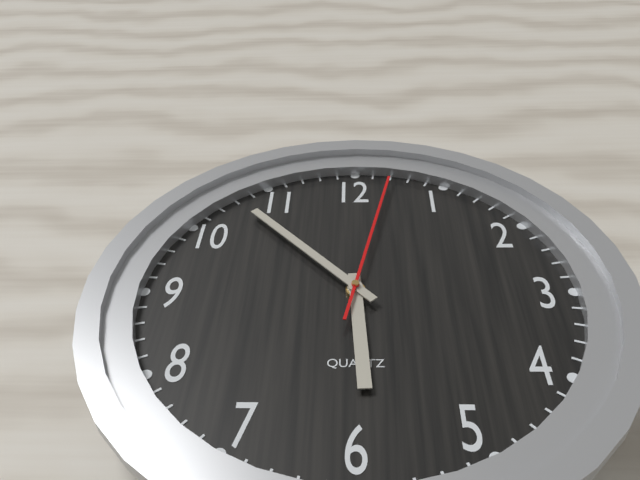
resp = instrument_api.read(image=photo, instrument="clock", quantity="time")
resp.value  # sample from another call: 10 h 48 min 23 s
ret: 5 h 53 min 02 s
